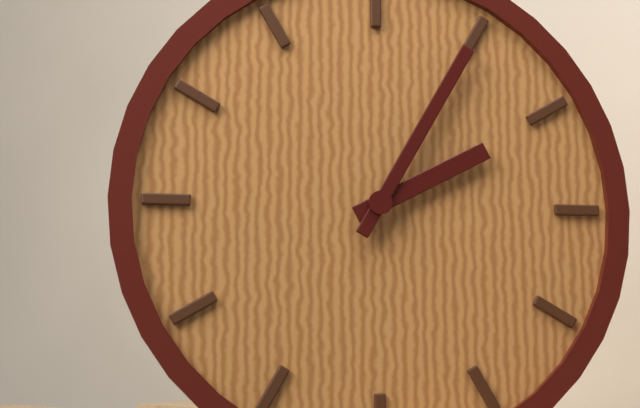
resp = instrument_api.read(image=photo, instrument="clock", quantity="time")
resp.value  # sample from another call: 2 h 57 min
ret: 2 h 05 min
